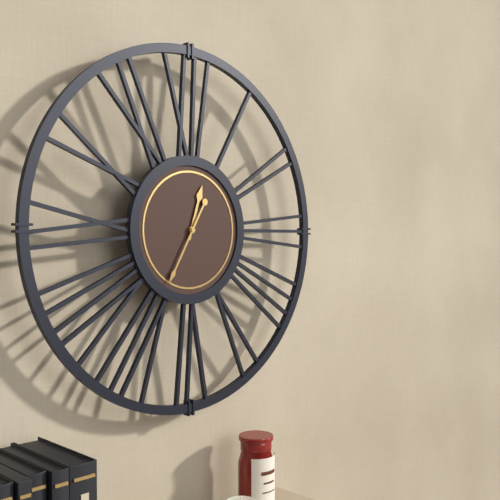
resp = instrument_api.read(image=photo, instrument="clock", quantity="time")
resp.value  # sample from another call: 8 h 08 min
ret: 12 h 35 min
